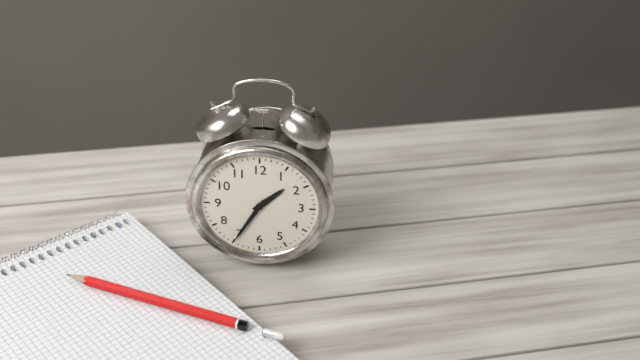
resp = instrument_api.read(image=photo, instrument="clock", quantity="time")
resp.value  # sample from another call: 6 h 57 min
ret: 1 h 35 min
